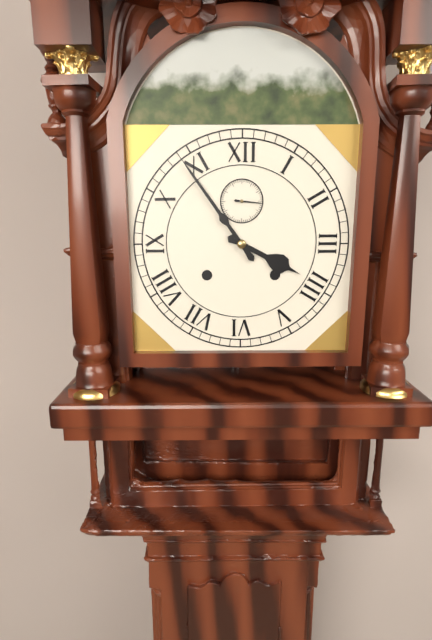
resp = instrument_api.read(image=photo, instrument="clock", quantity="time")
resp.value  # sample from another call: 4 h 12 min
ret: 3 h 54 min
